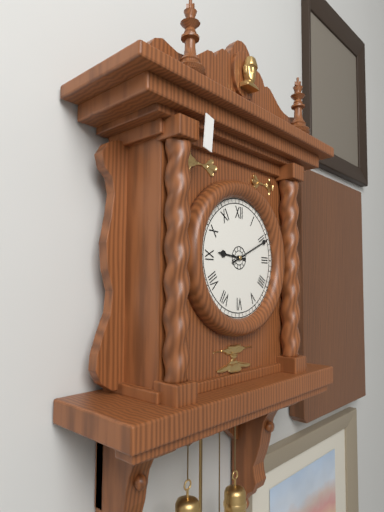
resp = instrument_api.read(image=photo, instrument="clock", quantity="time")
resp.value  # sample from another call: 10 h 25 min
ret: 9 h 11 min
